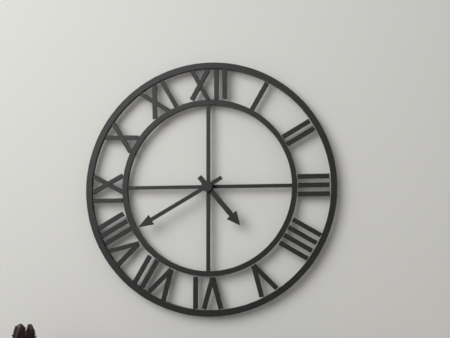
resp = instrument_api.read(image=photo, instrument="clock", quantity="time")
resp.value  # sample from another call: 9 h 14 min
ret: 4 h 40 min
